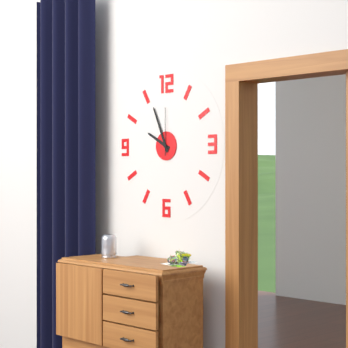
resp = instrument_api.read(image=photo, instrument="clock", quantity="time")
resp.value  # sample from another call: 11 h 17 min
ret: 9 h 56 min
